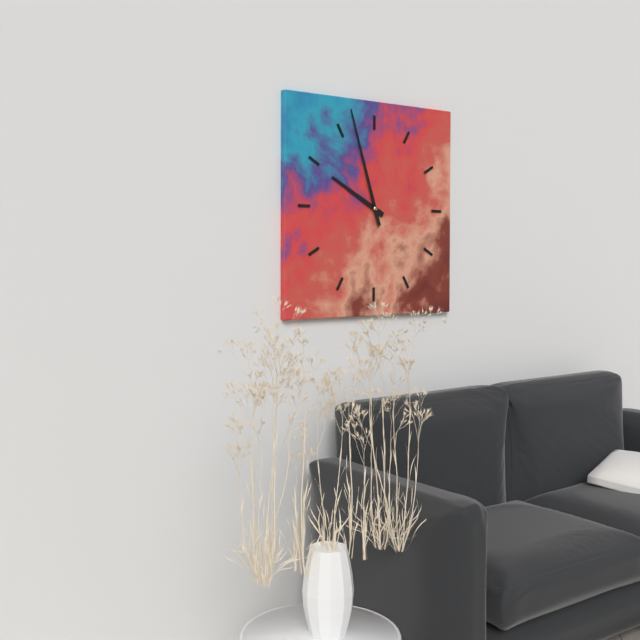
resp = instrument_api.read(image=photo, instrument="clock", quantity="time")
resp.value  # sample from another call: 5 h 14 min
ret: 9 h 57 min
